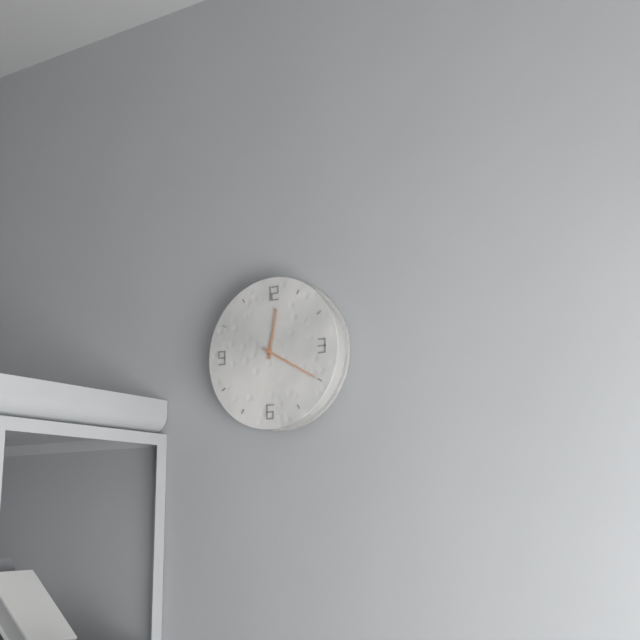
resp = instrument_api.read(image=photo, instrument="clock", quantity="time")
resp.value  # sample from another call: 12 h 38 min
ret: 12 h 20 min
